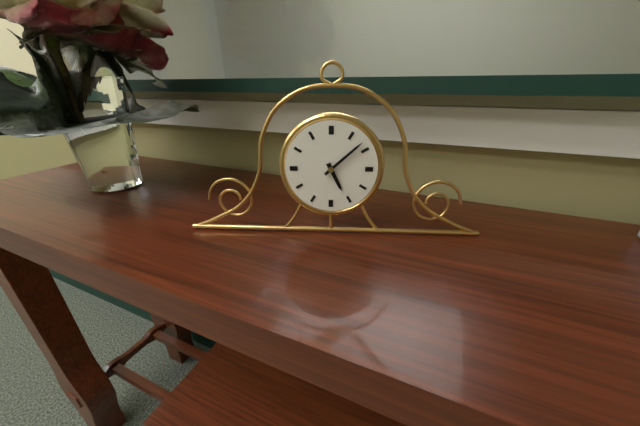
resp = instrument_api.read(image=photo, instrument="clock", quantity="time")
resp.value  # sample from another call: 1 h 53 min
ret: 5 h 08 min
